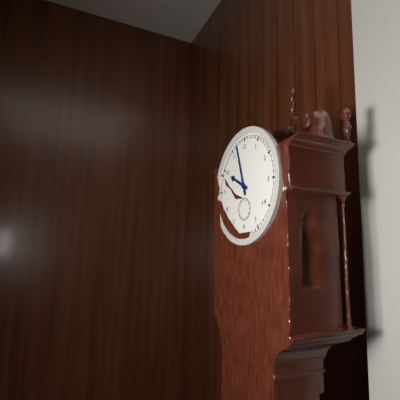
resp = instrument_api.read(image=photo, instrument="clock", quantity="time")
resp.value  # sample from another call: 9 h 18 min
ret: 9 h 57 min
